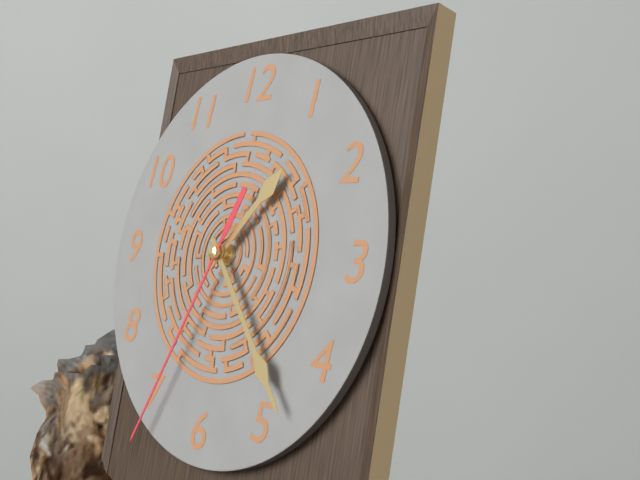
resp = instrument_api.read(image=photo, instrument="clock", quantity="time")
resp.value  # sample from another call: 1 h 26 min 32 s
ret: 1 h 23 min 34 s
